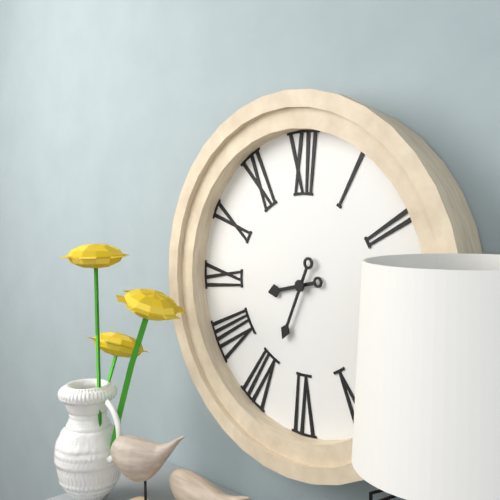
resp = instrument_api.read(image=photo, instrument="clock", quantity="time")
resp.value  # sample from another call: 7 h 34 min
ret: 8 h 34 min
